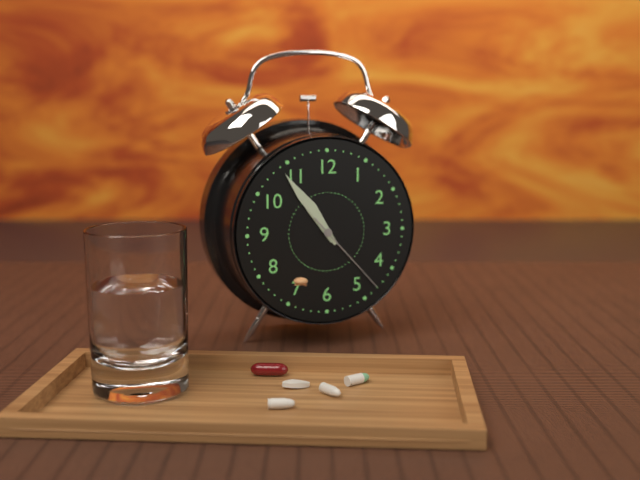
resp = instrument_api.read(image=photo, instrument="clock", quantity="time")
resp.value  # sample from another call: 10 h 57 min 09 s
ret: 10 h 54 min 23 s
